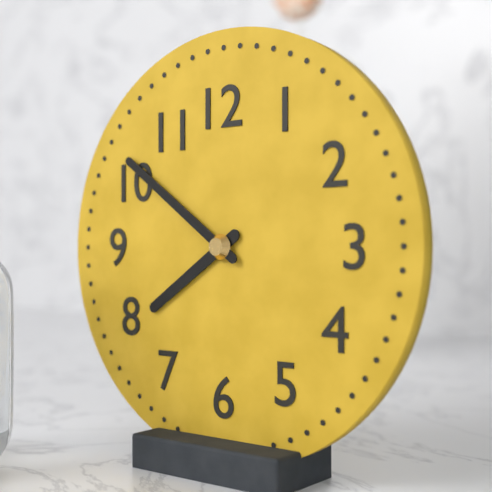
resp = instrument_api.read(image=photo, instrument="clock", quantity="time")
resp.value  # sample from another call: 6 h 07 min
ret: 7 h 51 min
